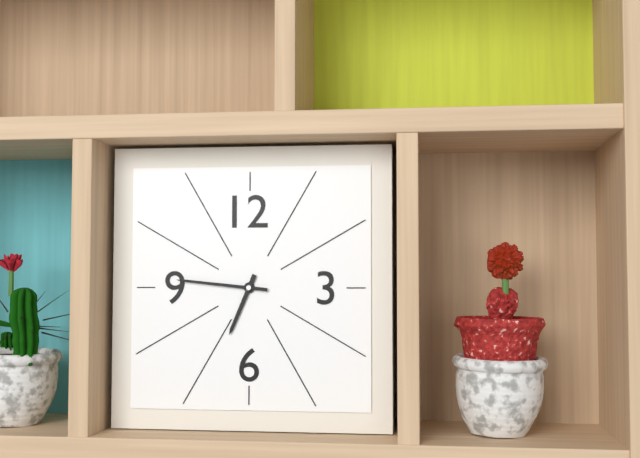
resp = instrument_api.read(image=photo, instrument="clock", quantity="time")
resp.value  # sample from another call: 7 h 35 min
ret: 6 h 46 min
